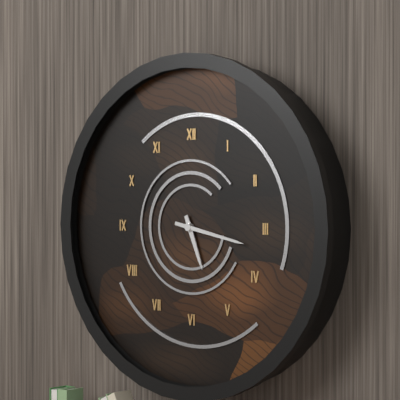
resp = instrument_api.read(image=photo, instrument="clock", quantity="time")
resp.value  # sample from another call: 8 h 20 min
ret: 5 h 17 min
